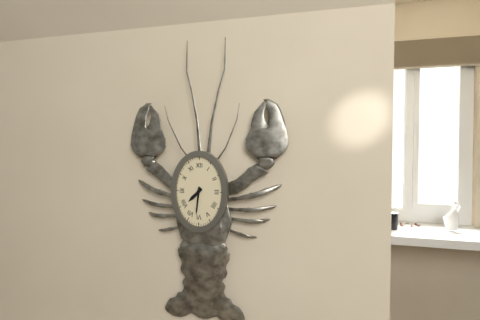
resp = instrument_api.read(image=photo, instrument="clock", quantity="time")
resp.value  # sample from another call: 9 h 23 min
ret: 7 h 31 min
